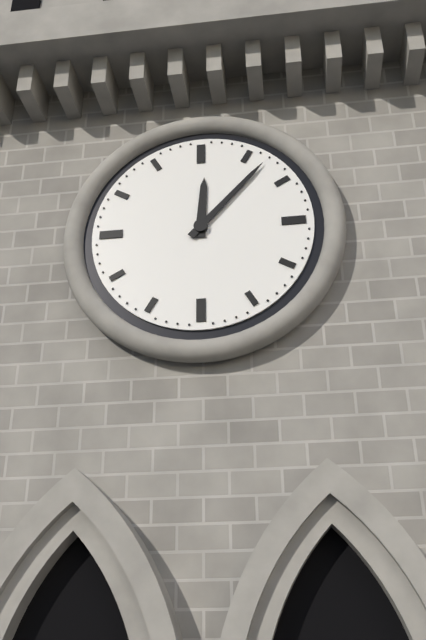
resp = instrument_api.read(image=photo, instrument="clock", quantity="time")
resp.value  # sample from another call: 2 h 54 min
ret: 12 h 07 min
